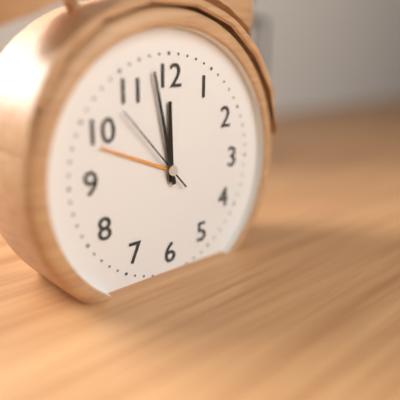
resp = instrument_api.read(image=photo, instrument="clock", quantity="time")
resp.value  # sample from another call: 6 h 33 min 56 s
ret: 11 h 58 min 53 s
